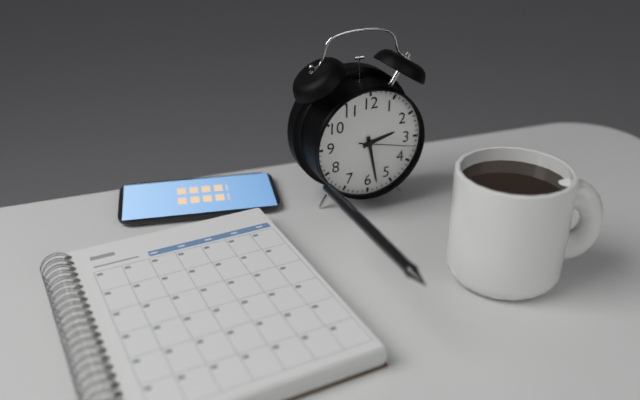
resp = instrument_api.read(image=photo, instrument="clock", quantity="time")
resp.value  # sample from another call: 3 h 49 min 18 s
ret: 2 h 28 min 17 s
